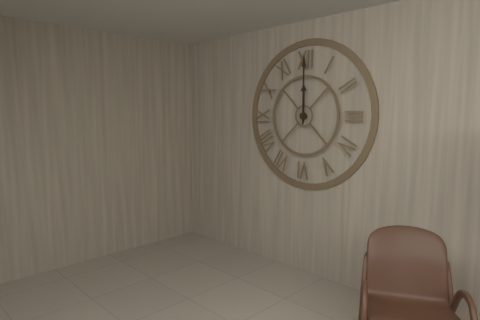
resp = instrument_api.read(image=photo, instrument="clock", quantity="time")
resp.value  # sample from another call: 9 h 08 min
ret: 12 h 00 min
